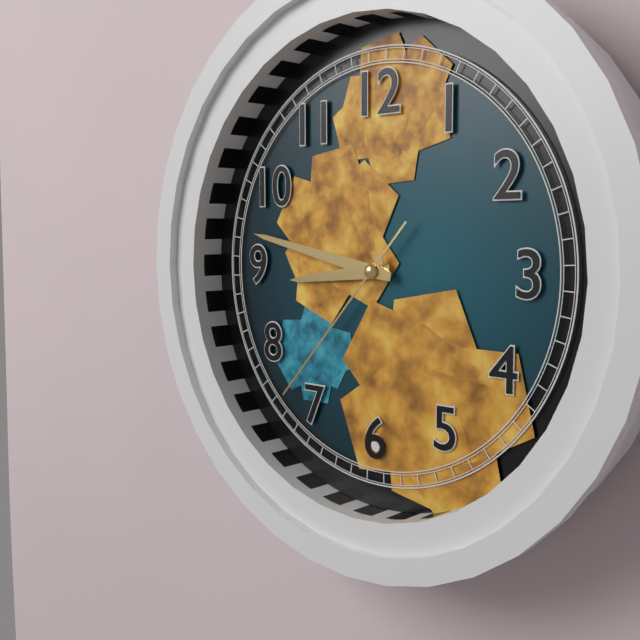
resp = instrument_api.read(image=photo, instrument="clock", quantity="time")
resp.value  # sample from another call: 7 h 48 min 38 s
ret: 8 h 47 min 37 s
